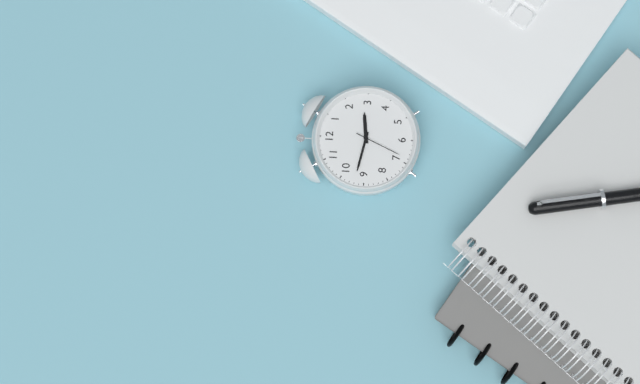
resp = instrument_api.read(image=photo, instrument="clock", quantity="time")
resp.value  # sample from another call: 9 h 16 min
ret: 2 h 47 min
